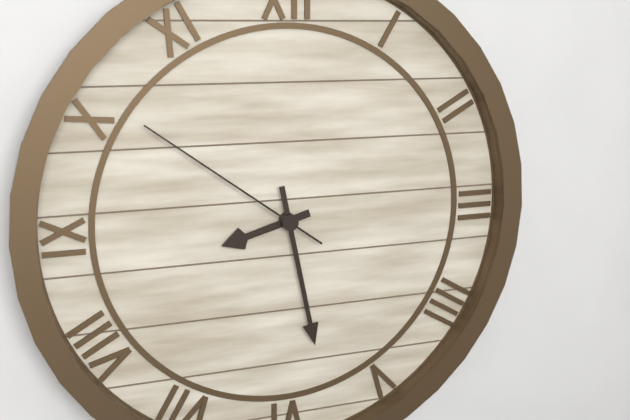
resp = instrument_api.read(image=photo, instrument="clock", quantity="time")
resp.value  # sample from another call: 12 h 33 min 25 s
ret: 8 h 28 min 51 s
